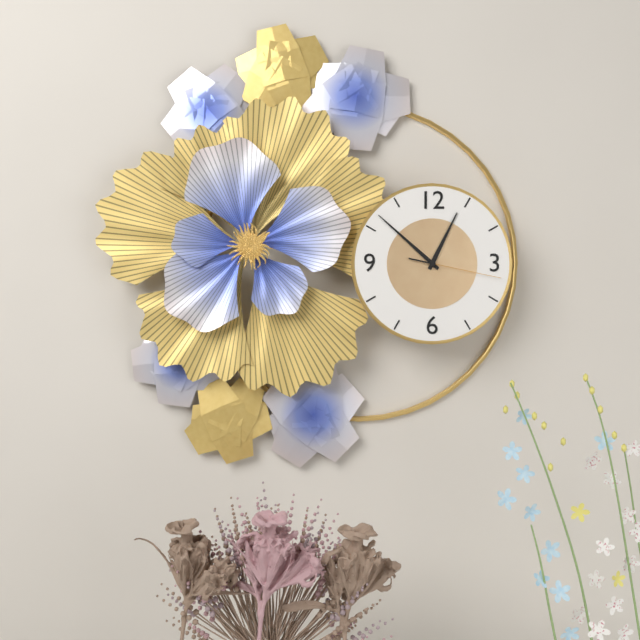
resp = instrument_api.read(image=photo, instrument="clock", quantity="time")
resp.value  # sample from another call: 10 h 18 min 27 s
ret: 12 h 52 min 17 s
